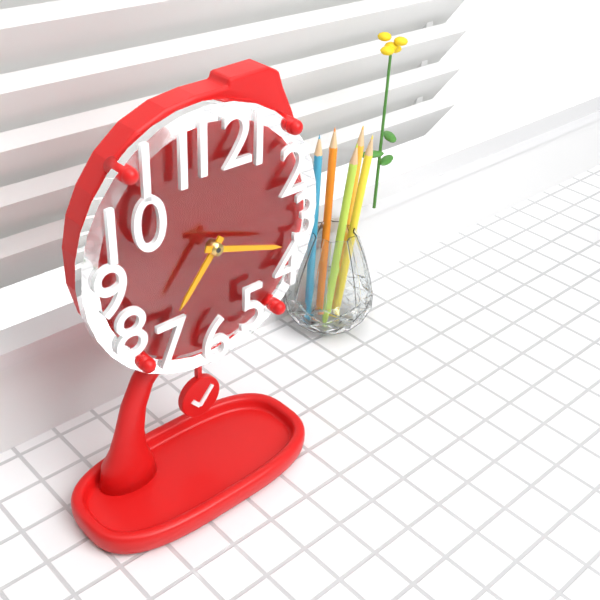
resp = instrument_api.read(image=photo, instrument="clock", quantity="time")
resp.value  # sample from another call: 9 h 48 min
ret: 7 h 18 min
